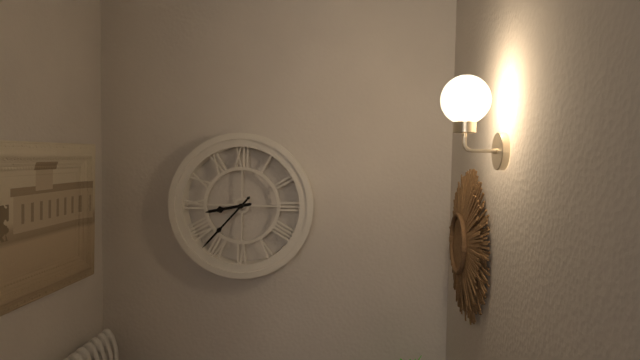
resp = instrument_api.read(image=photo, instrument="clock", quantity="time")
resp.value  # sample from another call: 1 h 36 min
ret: 8 h 37 min
